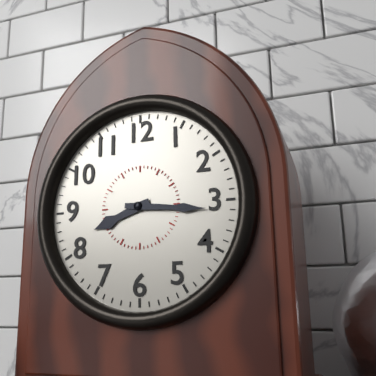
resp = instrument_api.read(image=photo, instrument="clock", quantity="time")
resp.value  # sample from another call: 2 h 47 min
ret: 8 h 16 min
